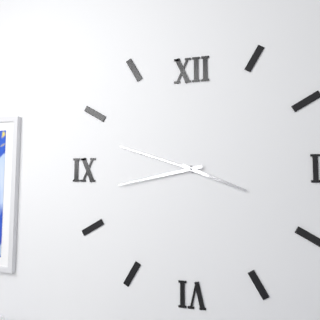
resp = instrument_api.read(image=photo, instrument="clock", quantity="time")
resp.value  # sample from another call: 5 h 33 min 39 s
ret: 3 h 43 min 48 s
